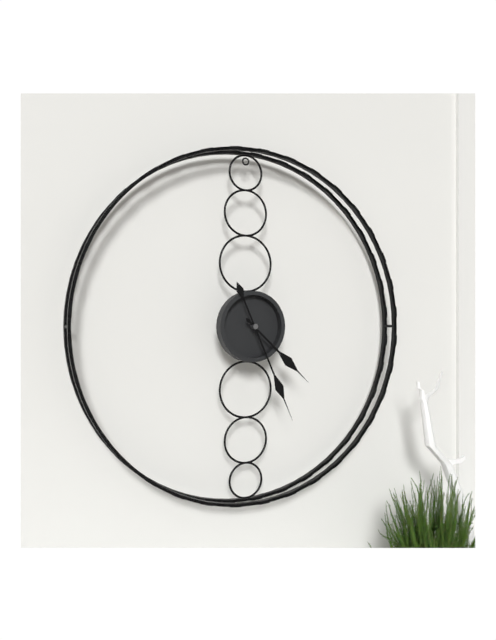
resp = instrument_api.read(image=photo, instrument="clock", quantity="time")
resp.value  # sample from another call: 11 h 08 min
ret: 4 h 26 min
